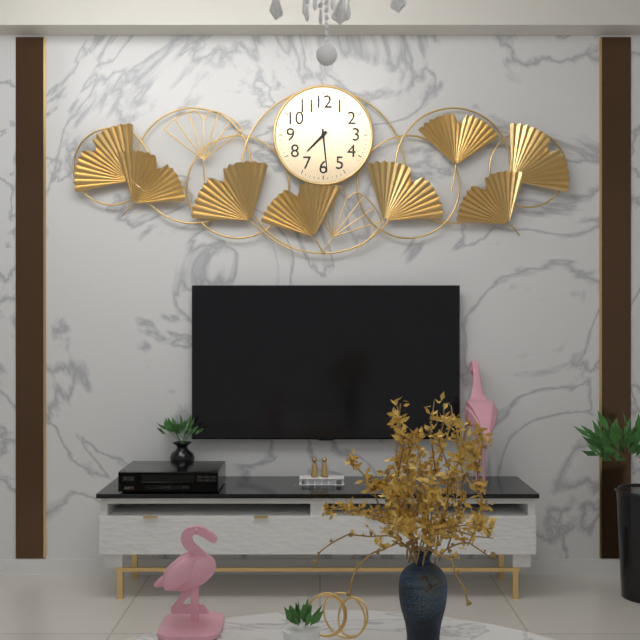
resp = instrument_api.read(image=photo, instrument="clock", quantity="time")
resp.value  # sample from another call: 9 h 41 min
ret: 7 h 29 min
